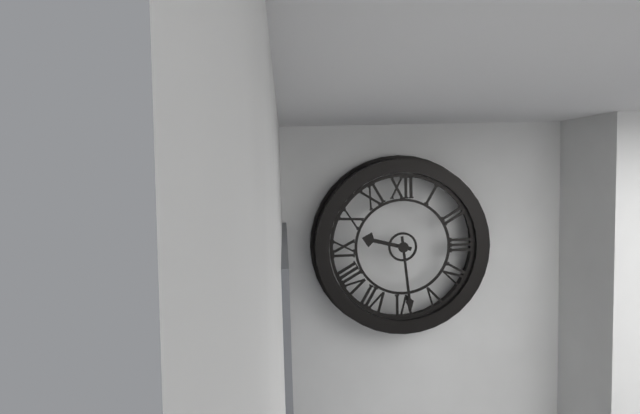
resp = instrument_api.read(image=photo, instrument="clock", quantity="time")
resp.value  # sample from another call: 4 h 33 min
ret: 9 h 29 min
